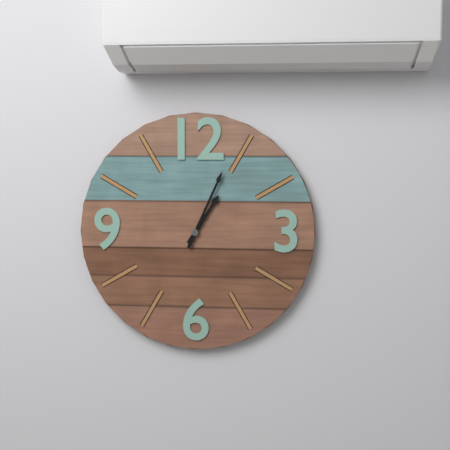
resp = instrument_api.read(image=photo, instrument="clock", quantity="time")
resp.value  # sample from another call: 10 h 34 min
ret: 1 h 04 min
